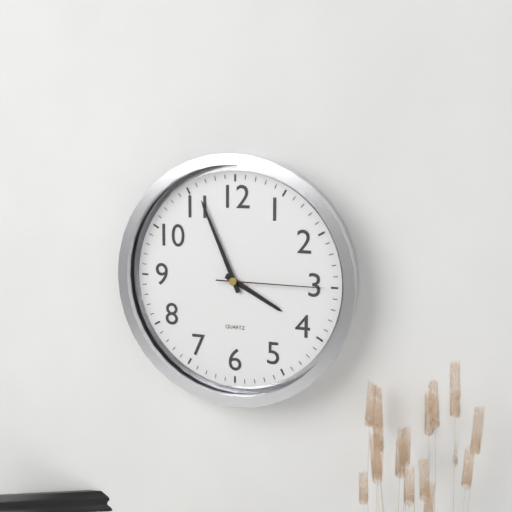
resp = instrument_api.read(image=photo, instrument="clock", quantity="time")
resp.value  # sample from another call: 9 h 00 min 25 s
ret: 3 h 56 min 15 s
